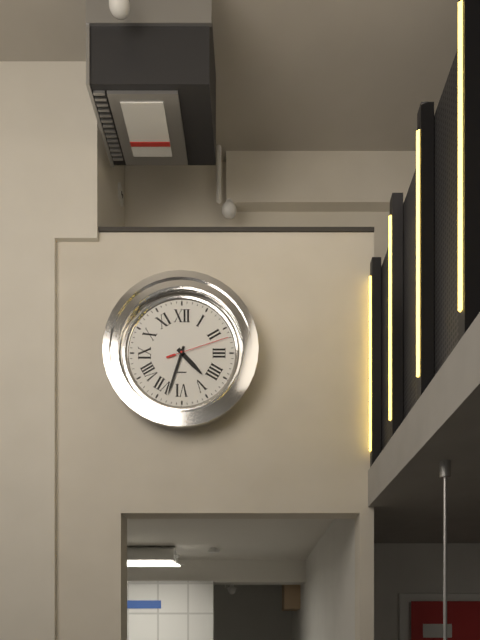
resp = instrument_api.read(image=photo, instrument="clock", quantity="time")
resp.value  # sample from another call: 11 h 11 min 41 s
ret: 4 h 33 min 12 s
